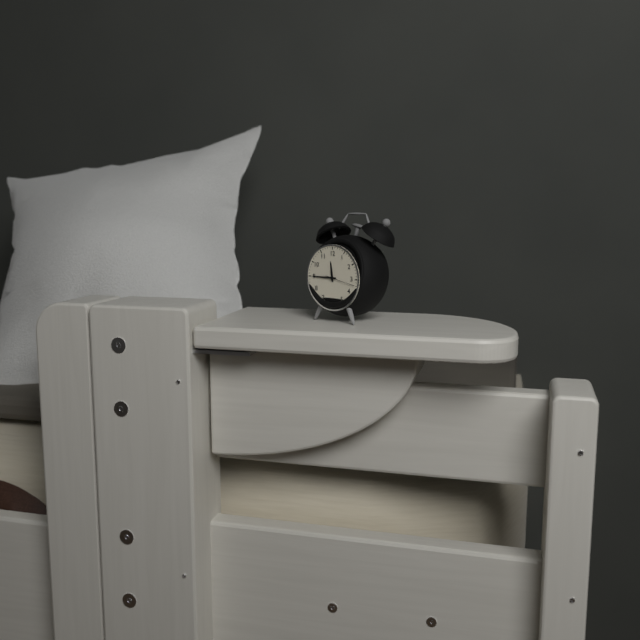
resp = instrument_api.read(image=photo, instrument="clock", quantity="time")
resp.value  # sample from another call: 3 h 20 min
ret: 11 h 45 min
